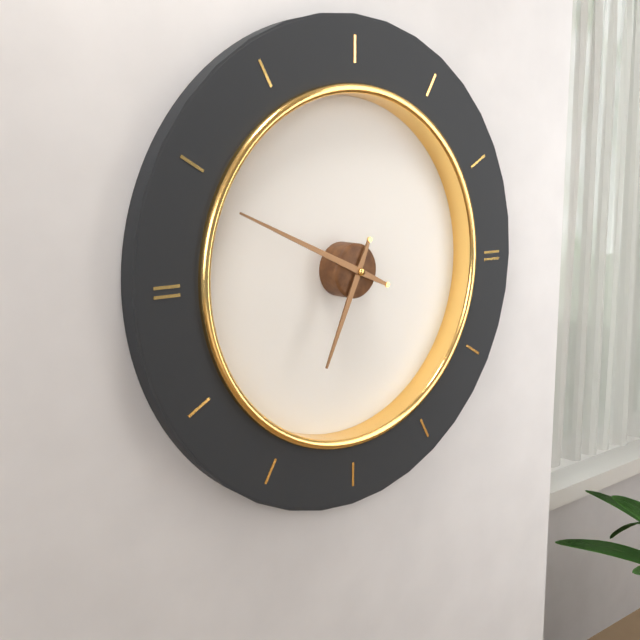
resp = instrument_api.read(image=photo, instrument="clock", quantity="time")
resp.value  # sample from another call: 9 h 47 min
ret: 6 h 49 min
